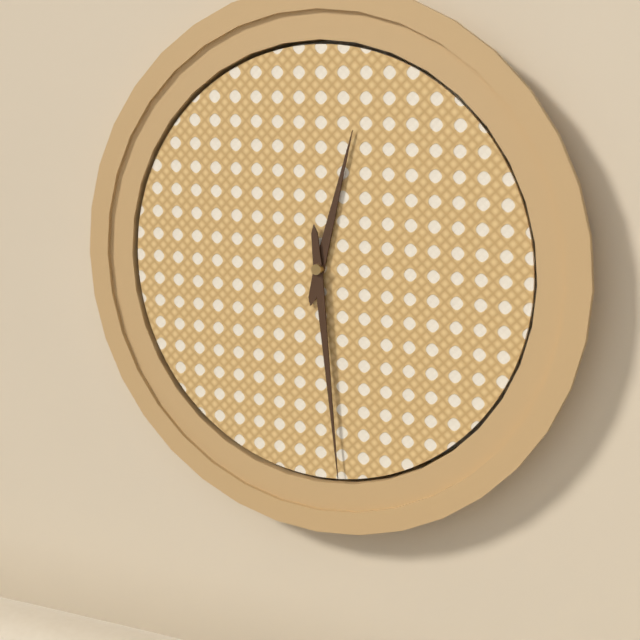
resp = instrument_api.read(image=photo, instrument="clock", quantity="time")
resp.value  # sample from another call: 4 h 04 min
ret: 12 h 29 min
